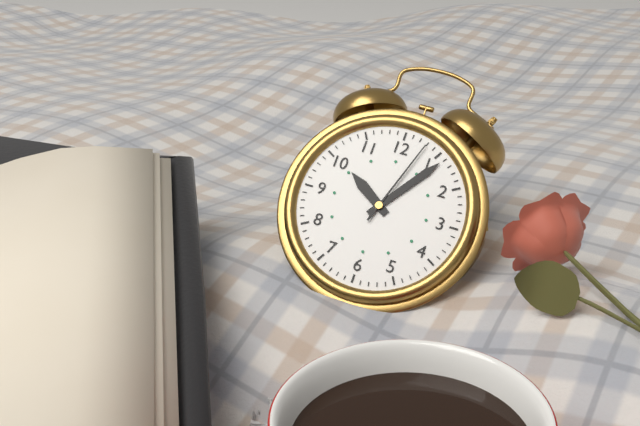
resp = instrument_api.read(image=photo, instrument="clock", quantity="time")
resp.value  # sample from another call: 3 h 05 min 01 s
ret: 10 h 06 min 03 s
